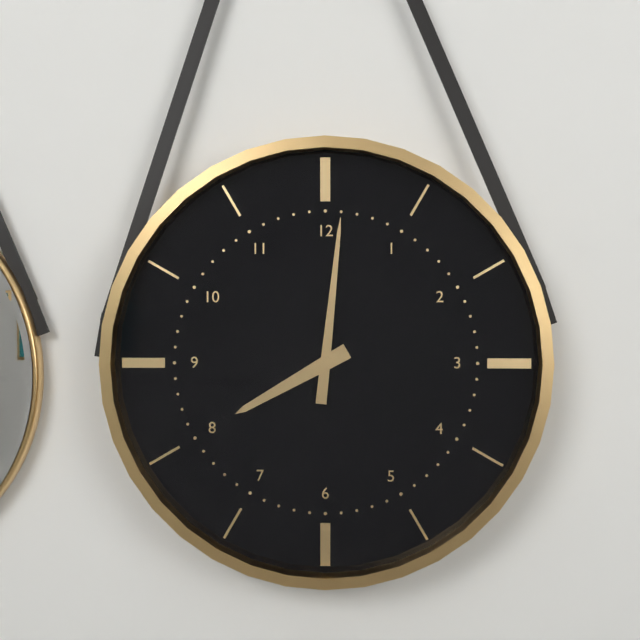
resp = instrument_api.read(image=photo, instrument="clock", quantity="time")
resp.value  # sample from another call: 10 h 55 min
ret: 8 h 01 min
